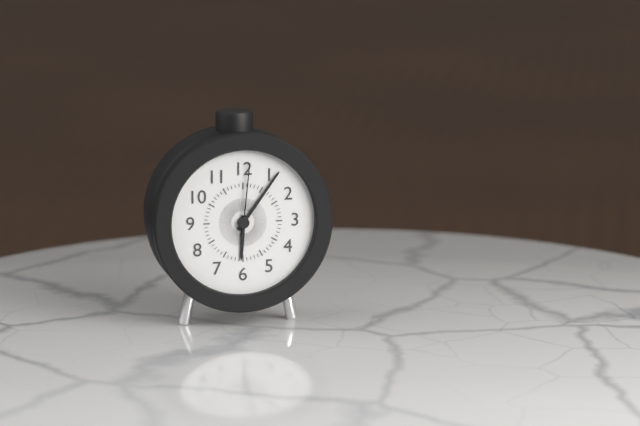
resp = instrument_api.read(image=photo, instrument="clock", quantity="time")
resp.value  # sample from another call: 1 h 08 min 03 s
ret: 6 h 06 min 01 s
